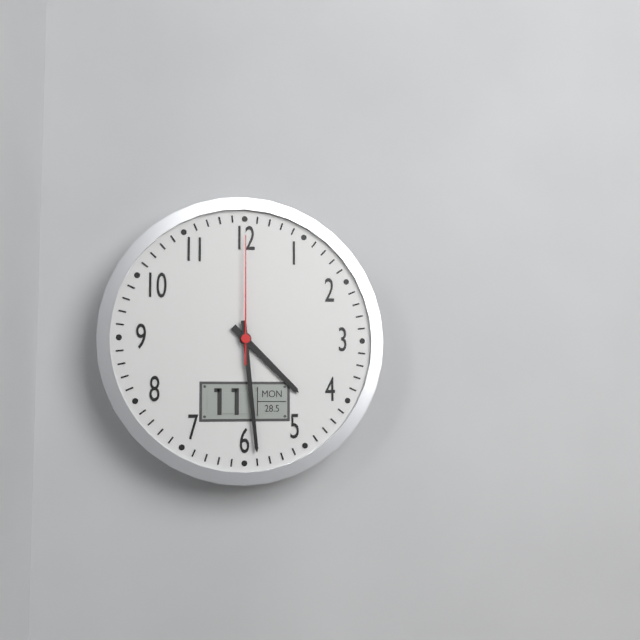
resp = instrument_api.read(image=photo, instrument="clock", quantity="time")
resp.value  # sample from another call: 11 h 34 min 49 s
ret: 4 h 29 min 00 s
